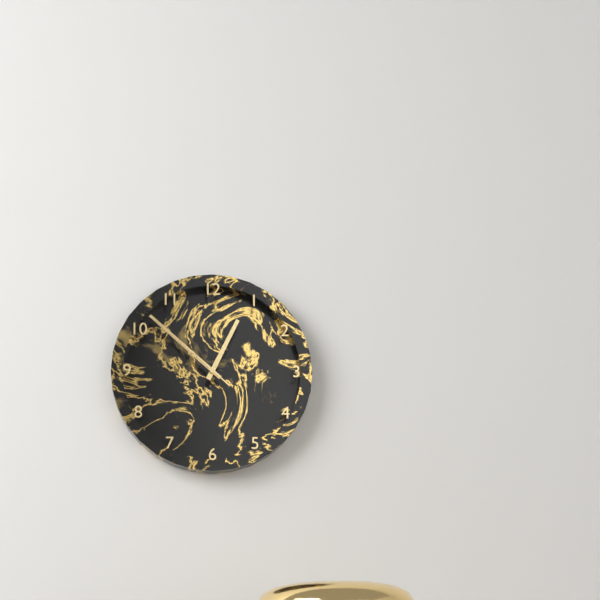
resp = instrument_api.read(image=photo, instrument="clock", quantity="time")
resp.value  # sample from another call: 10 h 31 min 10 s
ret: 12 h 52 min 52 s
